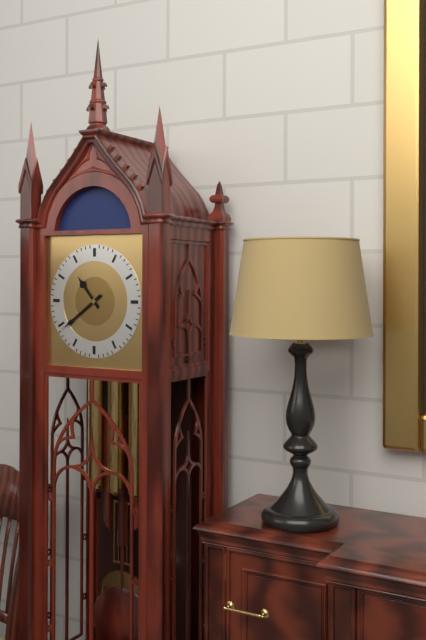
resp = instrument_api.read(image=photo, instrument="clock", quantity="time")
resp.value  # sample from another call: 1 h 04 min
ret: 10 h 39 min
